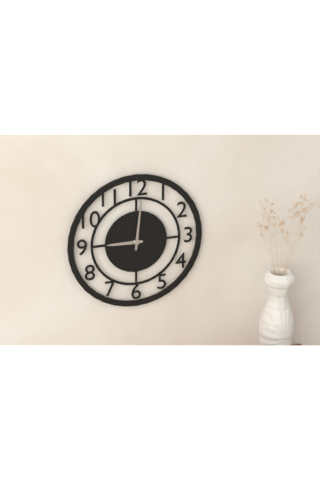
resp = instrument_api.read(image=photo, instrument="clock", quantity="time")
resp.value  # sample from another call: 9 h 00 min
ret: 9 h 01 min
